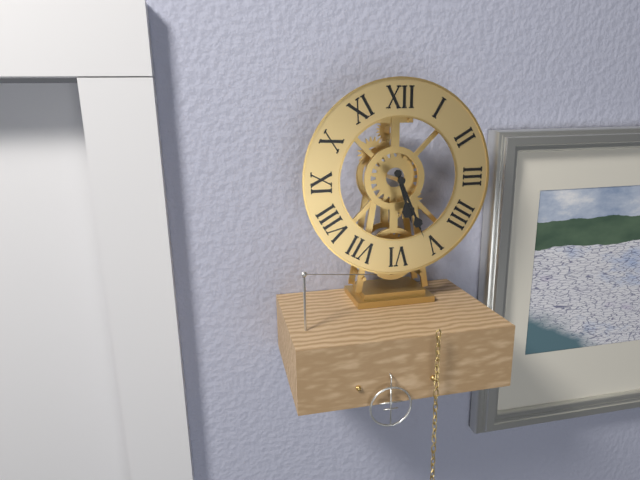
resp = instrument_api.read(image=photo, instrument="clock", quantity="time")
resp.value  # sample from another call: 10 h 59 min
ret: 5 h 26 min
